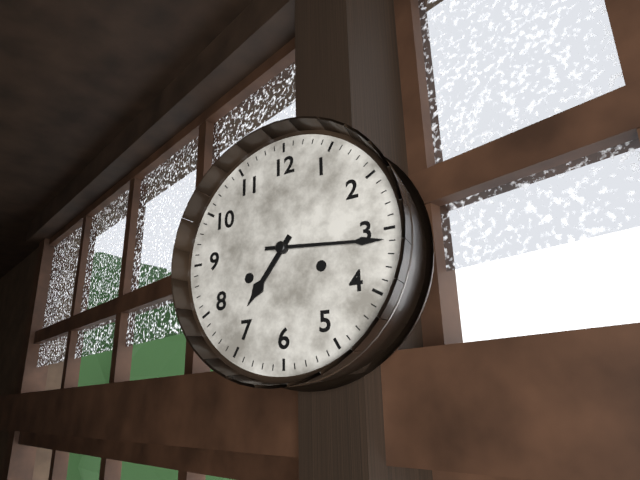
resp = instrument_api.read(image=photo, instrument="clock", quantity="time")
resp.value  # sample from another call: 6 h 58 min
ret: 7 h 16 min
